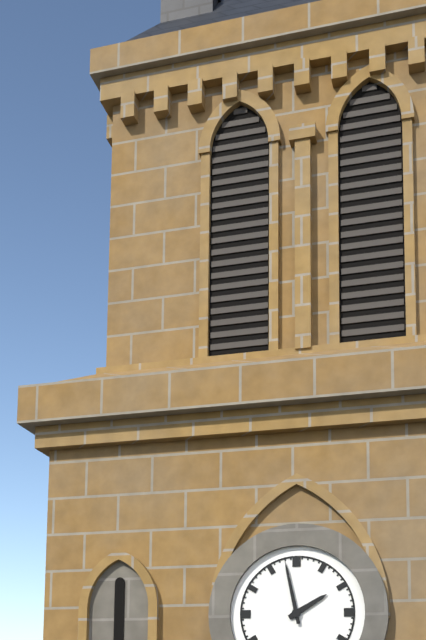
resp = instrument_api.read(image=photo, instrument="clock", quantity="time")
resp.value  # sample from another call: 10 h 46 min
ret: 1 h 58 min
